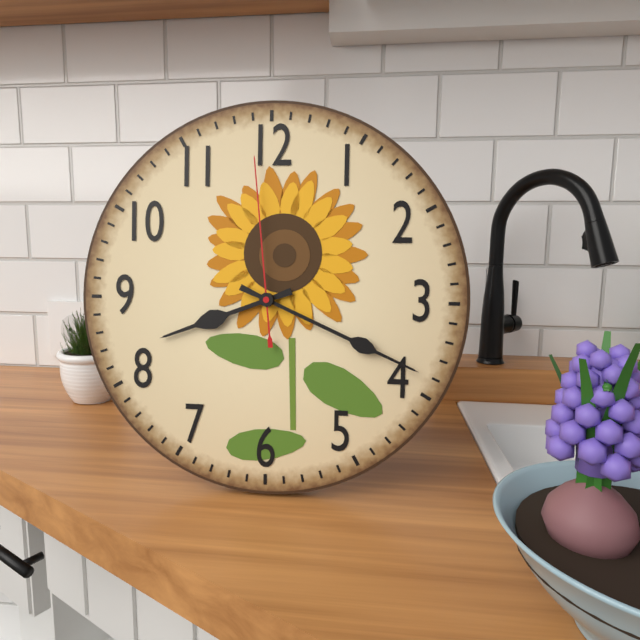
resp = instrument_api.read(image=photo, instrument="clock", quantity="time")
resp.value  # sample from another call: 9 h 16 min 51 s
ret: 8 h 19 min 59 s
